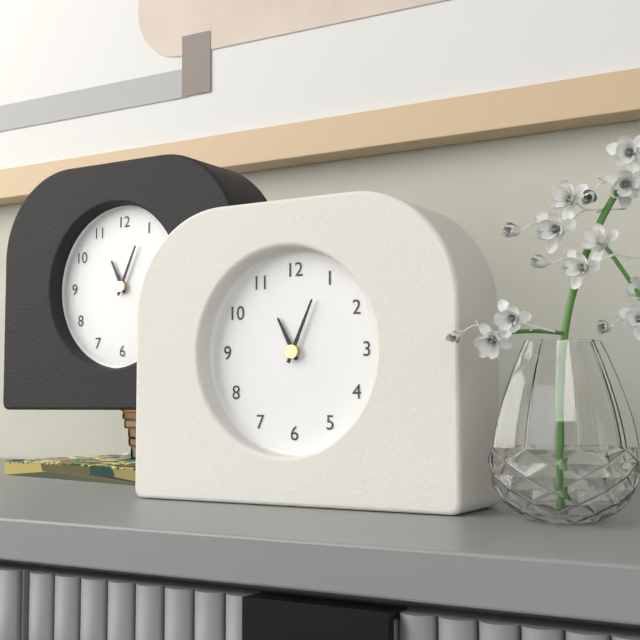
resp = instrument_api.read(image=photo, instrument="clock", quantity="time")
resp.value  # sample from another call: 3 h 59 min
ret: 11 h 04 min
